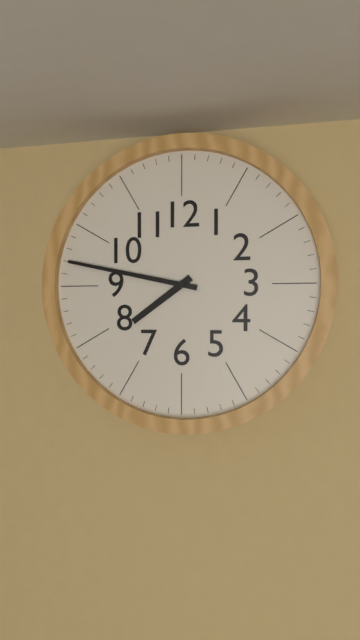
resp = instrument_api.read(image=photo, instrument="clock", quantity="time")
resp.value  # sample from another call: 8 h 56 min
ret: 7 h 47 min
